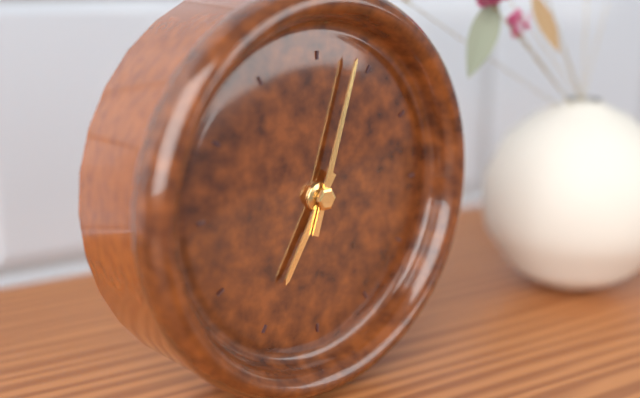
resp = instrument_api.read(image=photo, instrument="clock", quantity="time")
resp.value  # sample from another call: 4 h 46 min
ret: 7 h 03 min
